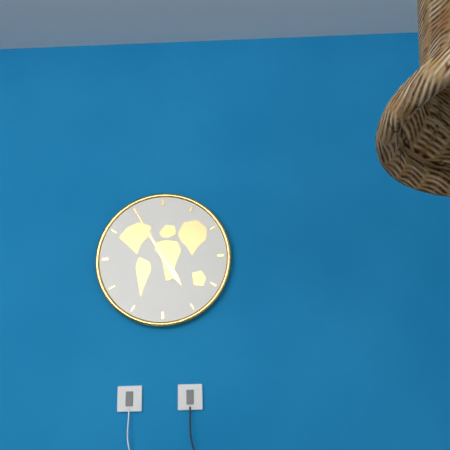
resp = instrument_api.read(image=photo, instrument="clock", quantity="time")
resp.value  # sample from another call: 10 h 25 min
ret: 4 h 55 min
